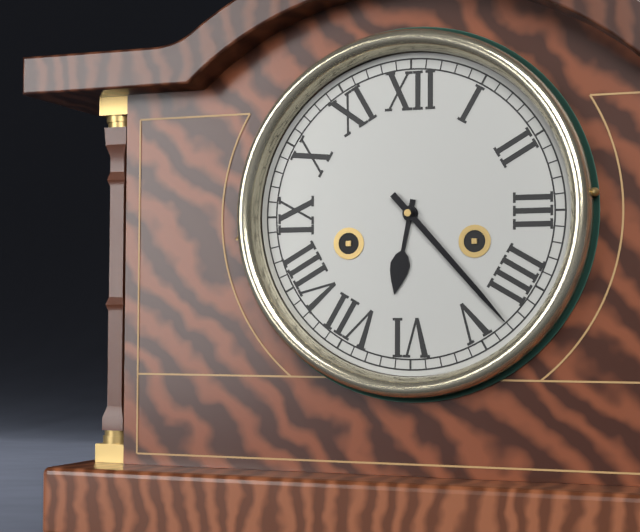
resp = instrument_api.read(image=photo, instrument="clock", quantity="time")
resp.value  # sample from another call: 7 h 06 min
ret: 6 h 23 min
